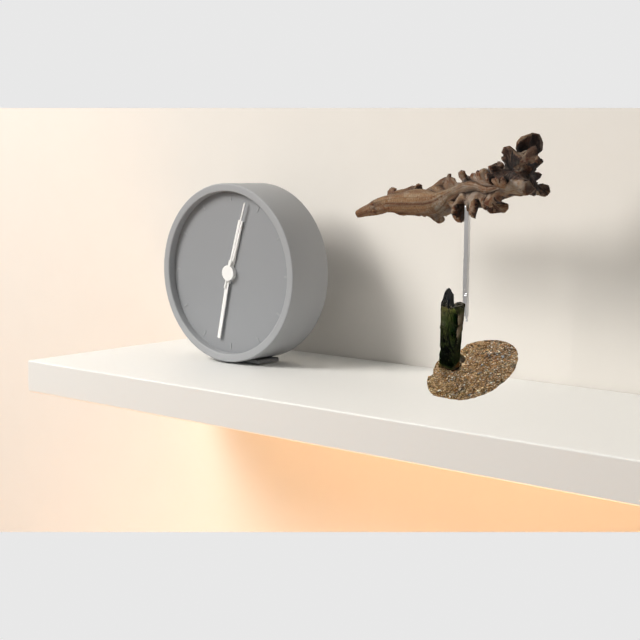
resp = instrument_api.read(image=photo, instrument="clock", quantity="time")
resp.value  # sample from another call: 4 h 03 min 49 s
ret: 12 h 32 min 03 s
